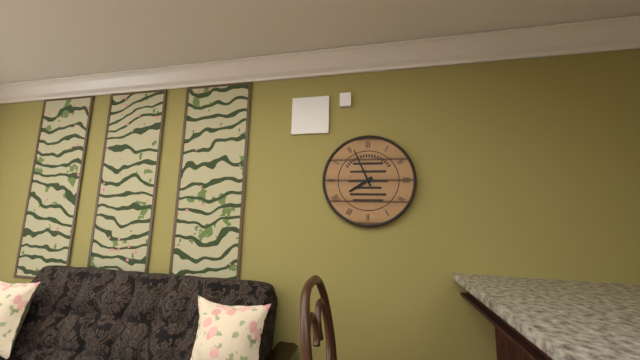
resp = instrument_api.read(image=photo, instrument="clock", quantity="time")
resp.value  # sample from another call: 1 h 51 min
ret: 7 h 56 min
